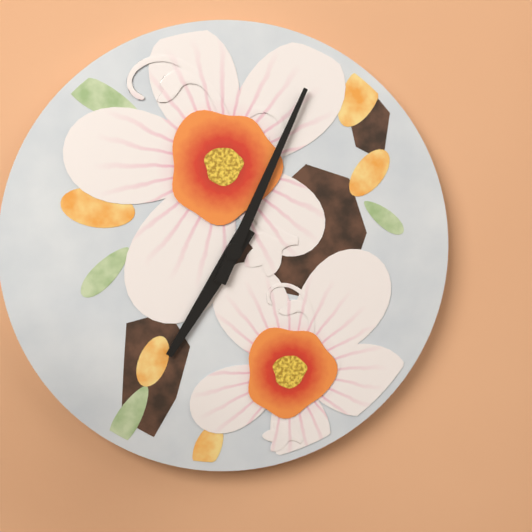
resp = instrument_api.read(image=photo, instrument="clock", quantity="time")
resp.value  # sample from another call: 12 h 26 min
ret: 7 h 04 min
